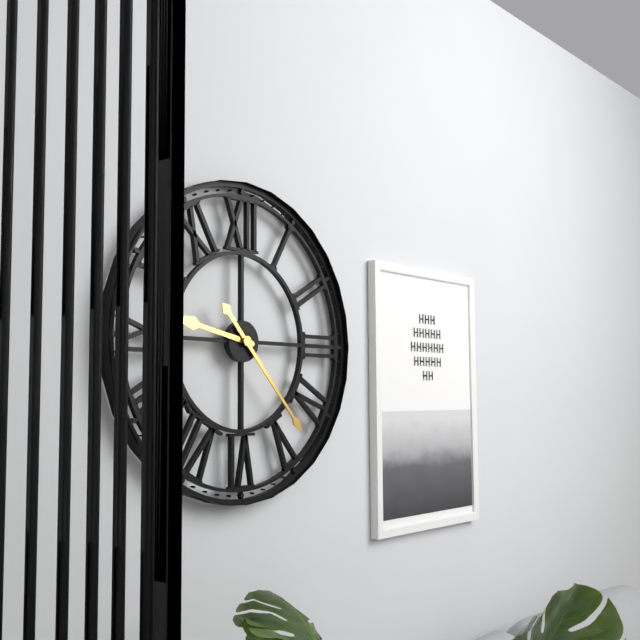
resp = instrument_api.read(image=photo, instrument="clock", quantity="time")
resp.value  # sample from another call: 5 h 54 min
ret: 9 h 23 min
